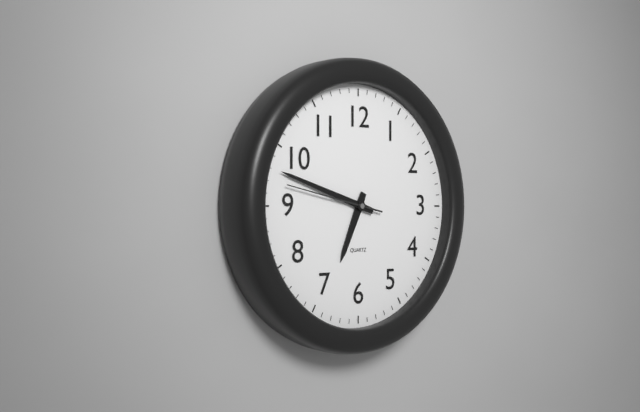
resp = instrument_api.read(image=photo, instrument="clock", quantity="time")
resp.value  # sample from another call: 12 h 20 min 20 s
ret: 6 h 48 min 47 s
